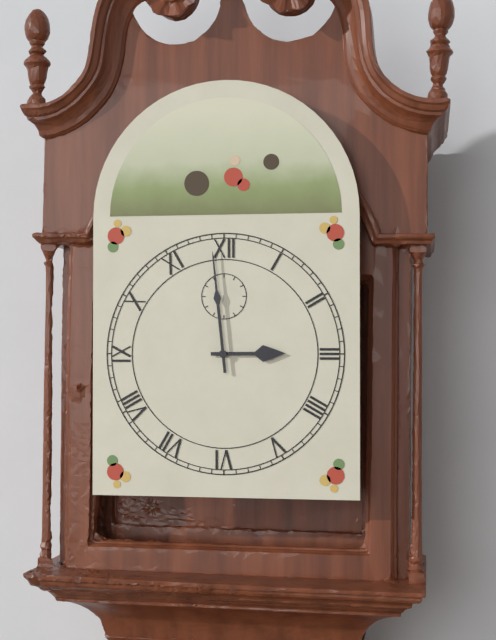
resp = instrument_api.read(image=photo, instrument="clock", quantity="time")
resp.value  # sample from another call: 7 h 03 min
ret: 2 h 59 min
